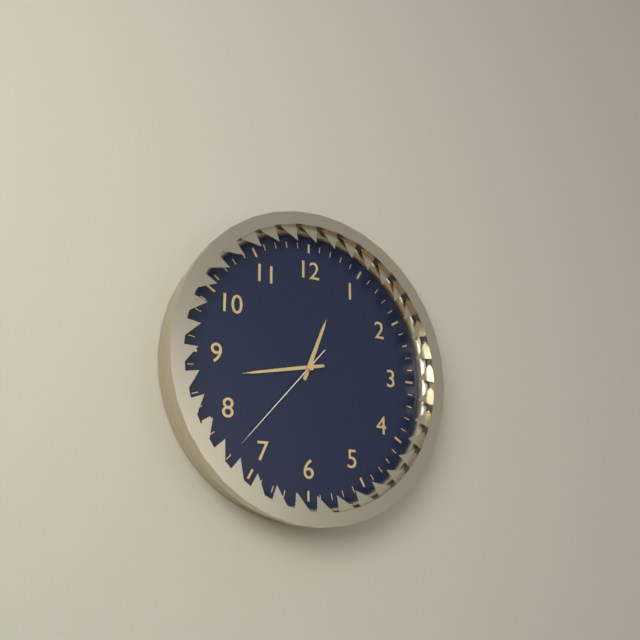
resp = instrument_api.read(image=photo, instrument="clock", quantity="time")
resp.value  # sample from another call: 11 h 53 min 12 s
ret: 12 h 43 min 37 s
